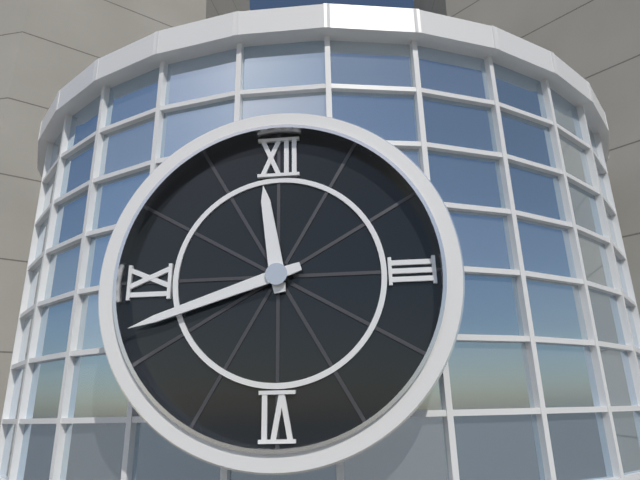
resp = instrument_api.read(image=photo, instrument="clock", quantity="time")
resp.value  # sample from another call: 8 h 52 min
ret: 11 h 42 min
